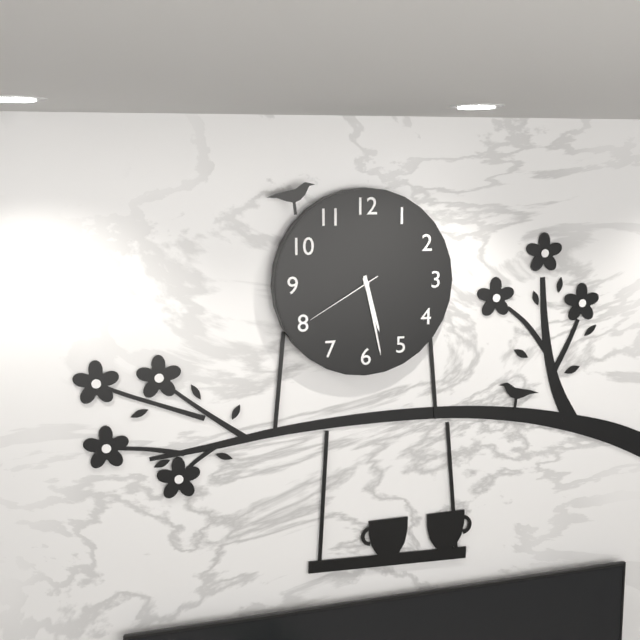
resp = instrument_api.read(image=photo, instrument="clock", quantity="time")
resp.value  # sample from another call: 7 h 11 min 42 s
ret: 5 h 28 min 40 s
